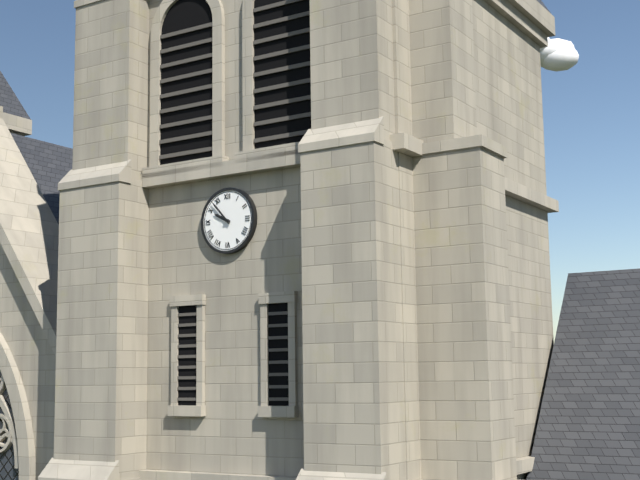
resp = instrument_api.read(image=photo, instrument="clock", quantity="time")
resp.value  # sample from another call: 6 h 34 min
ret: 9 h 53 min
